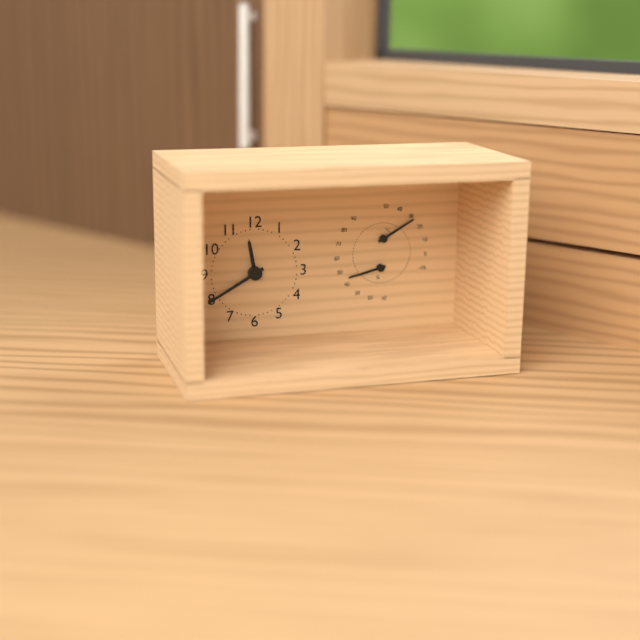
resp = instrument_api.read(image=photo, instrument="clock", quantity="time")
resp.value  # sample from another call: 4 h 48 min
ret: 11 h 40 min
